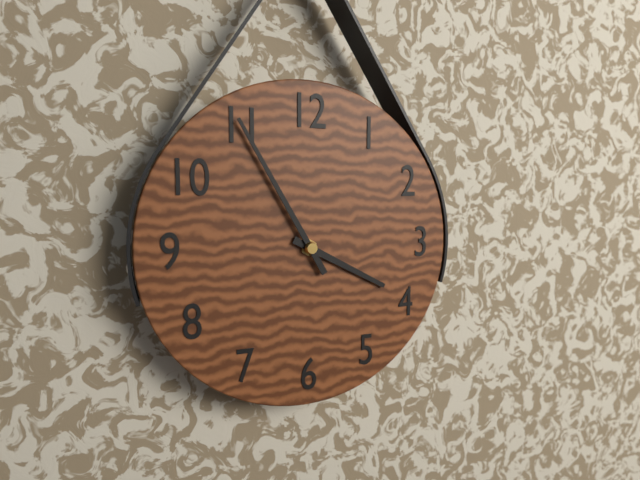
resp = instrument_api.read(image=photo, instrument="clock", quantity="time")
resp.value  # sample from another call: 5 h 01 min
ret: 3 h 55 min
